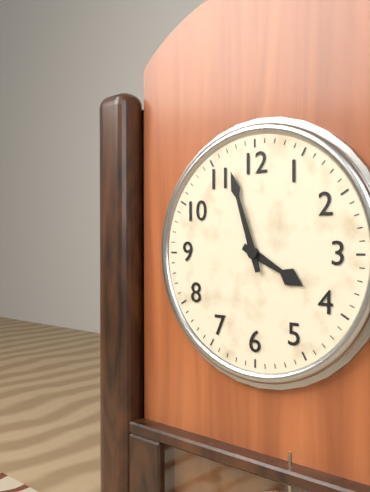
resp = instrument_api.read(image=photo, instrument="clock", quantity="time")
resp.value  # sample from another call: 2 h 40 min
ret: 3 h 57 min
